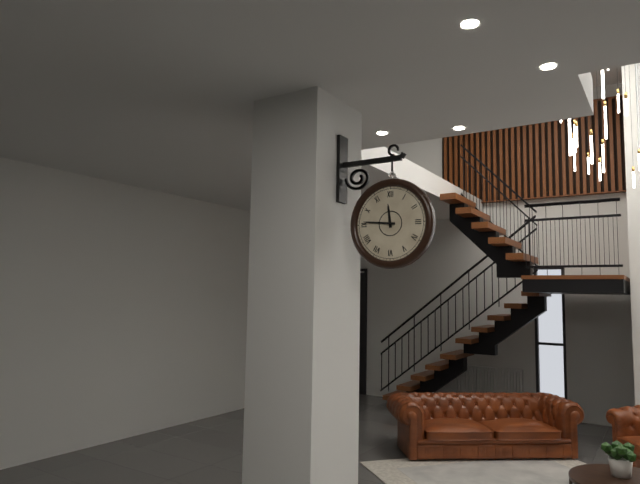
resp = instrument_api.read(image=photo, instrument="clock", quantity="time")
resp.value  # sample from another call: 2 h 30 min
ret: 11 h 46 min
